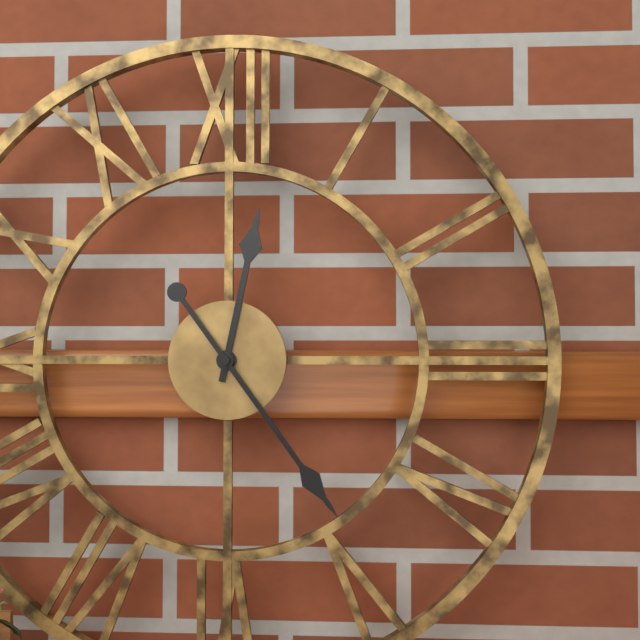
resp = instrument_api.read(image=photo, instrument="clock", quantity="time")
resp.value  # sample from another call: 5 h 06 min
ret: 12 h 24 min
